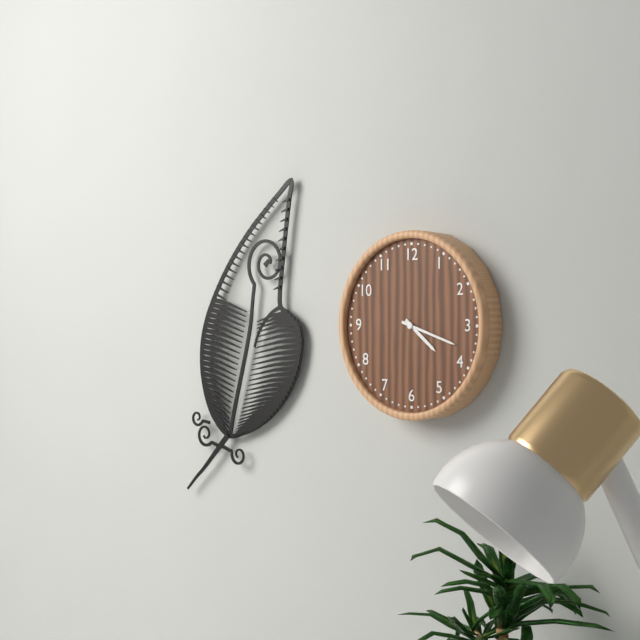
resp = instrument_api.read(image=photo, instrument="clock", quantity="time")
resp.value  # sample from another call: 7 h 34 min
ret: 4 h 18 min
